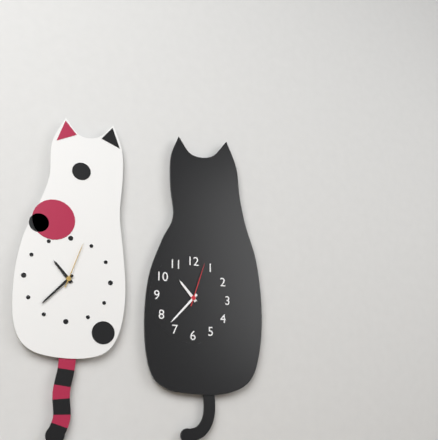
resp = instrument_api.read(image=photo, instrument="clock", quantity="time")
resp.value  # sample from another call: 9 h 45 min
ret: 10 h 37 min
